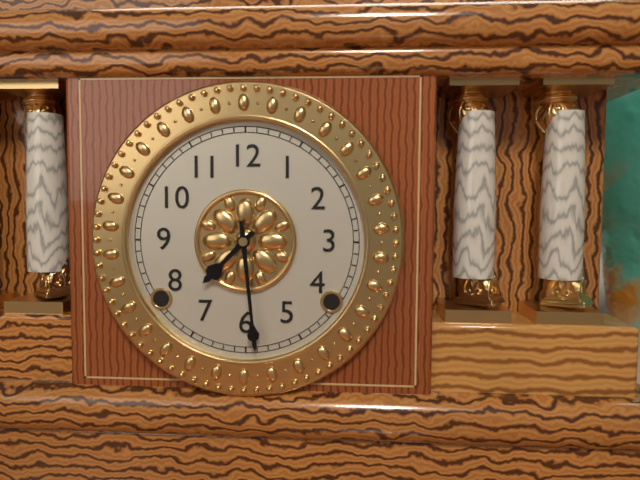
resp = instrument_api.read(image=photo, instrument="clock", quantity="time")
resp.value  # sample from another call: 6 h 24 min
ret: 7 h 29 min
